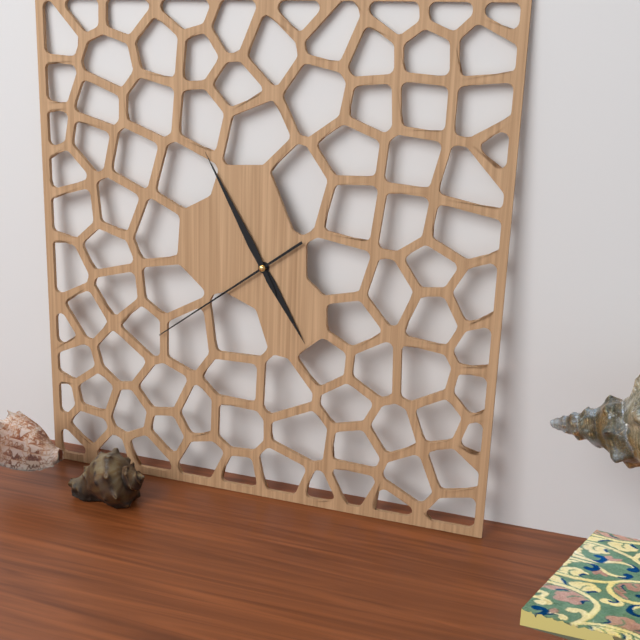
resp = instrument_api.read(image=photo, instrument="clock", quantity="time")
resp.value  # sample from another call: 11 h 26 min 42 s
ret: 4 h 55 min 39 s
